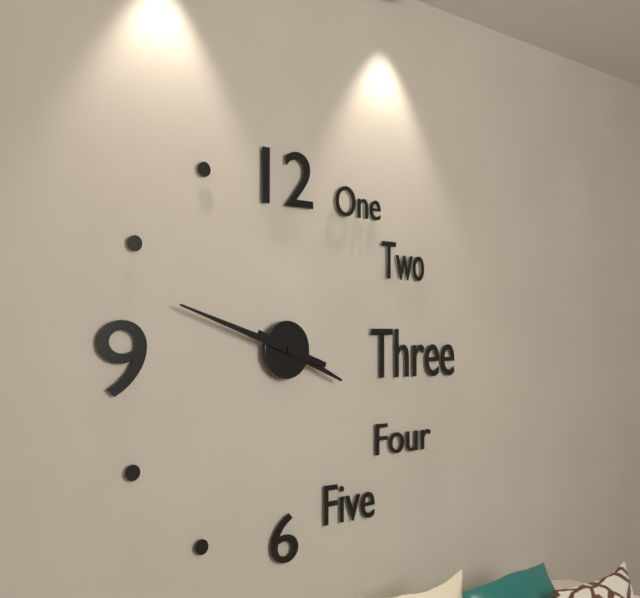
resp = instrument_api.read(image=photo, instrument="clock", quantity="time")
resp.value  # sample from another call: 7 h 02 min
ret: 3 h 48 min
